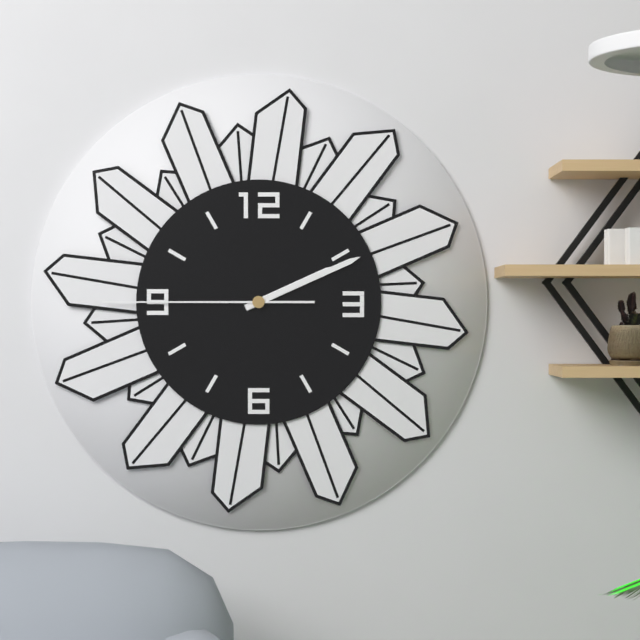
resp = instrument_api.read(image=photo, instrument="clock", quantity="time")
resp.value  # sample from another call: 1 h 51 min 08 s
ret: 2 h 11 min 45 s
